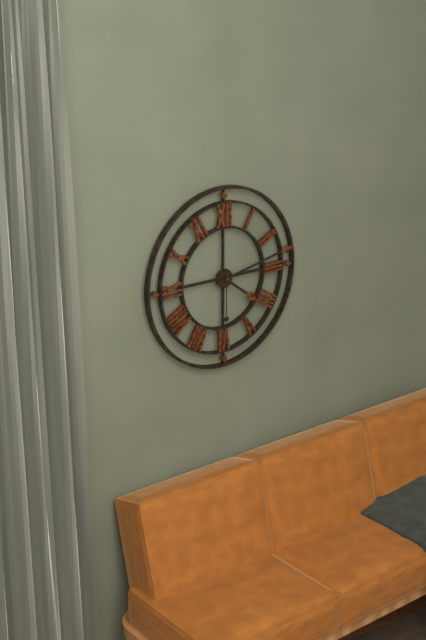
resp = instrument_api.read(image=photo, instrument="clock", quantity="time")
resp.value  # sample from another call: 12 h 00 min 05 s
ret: 4 h 13 min 30 s
